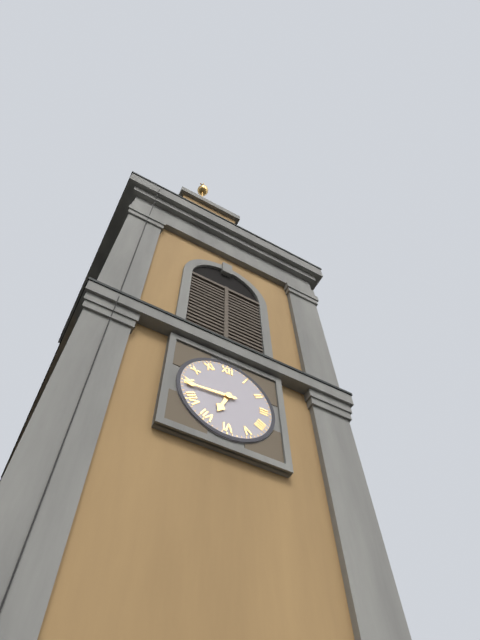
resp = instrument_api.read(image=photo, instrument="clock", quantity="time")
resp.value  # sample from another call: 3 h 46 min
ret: 6 h 44 min
